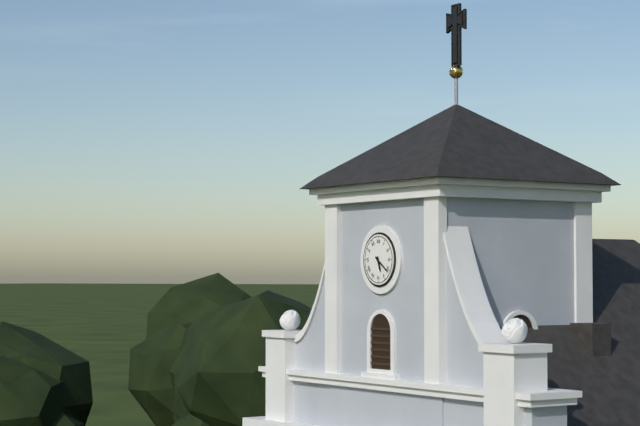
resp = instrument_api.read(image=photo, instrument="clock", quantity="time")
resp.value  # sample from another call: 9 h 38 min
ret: 5 h 21 min
